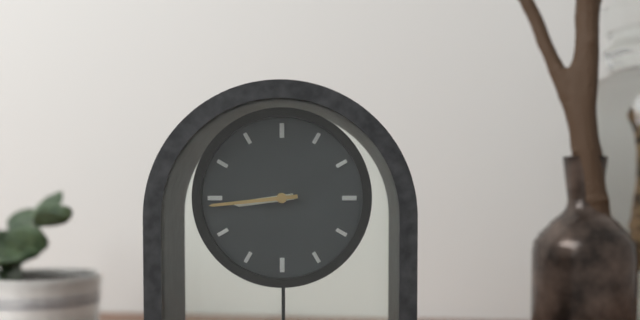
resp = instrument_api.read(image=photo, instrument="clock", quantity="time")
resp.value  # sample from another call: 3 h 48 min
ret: 8 h 44 min
